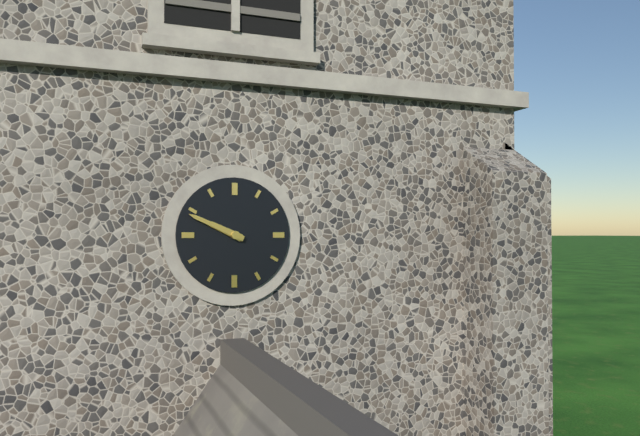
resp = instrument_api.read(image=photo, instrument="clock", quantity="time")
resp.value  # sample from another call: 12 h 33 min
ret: 9 h 49 min
